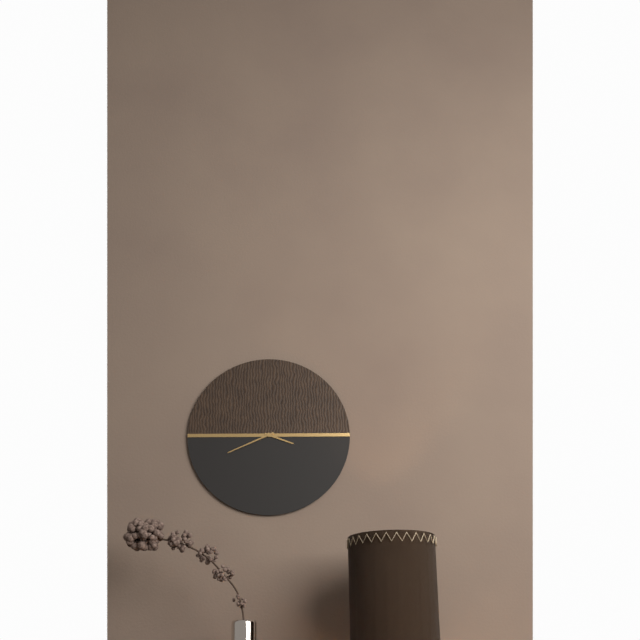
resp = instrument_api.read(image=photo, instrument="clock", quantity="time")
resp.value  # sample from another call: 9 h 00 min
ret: 3 h 41 min
